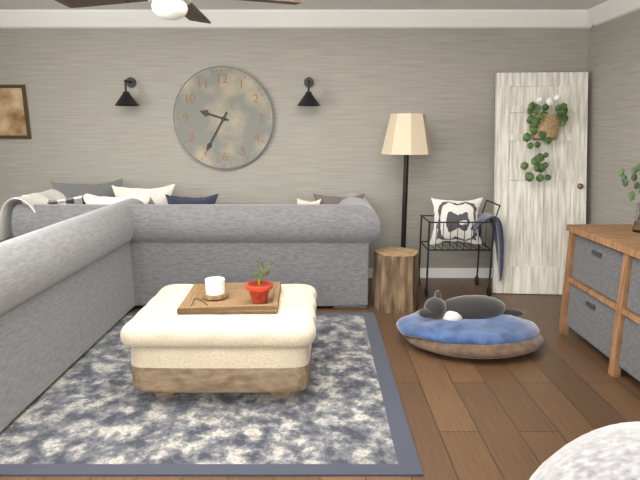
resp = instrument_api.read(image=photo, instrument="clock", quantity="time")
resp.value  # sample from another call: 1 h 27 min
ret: 9 h 35 min
